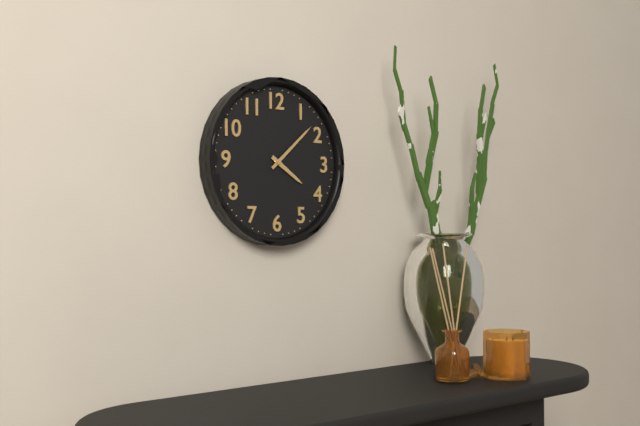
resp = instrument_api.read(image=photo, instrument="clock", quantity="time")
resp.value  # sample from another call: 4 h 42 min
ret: 4 h 08 min
